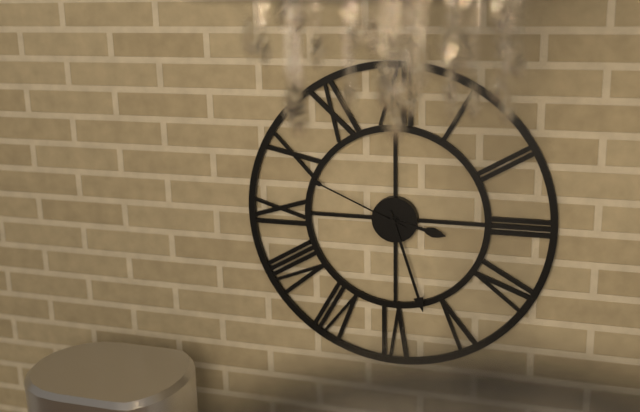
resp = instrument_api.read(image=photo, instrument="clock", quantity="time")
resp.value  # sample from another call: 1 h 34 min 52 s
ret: 3 h 27 min 49 s
